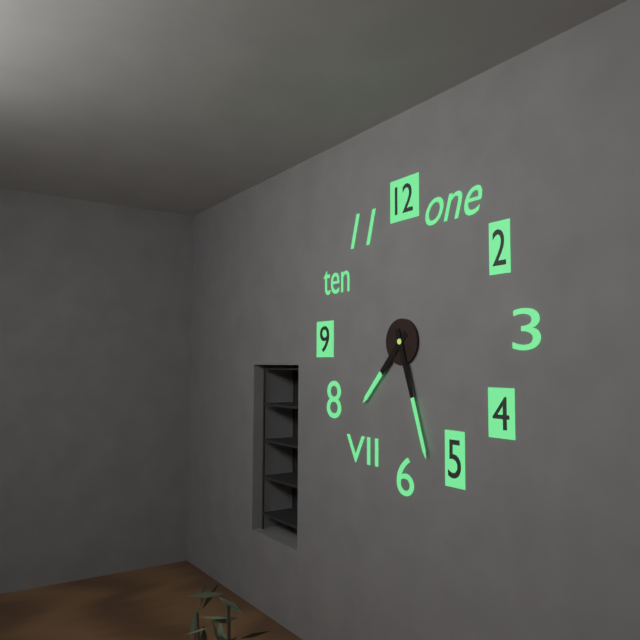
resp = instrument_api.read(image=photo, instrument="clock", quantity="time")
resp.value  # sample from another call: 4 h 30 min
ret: 7 h 27 min
